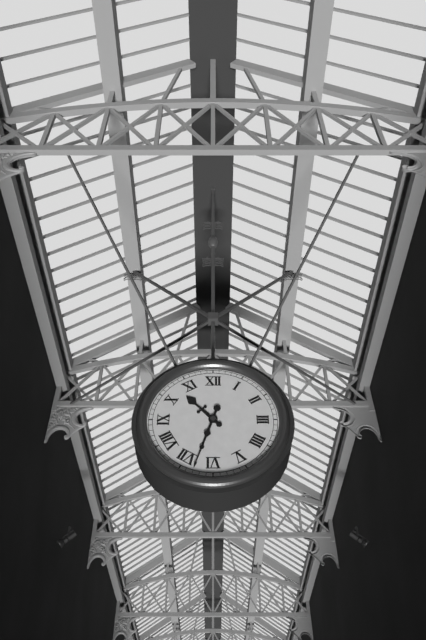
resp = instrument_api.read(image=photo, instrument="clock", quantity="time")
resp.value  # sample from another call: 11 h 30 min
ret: 10 h 33 min
